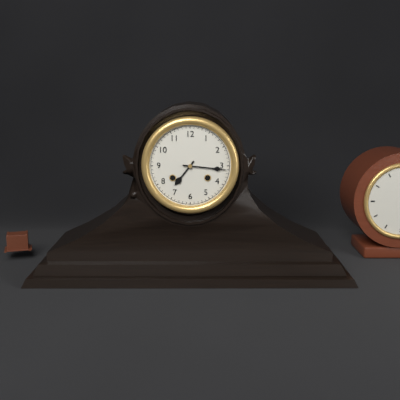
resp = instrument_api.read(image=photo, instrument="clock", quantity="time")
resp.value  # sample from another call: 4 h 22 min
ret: 7 h 16 min
